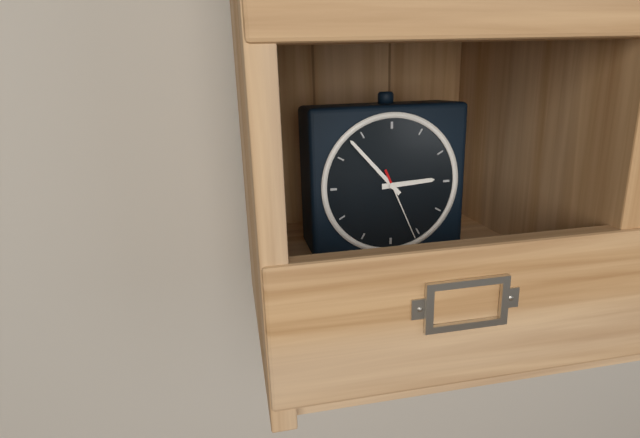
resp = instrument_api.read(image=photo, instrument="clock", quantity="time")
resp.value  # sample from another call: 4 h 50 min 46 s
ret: 2 h 53 min 26 s
